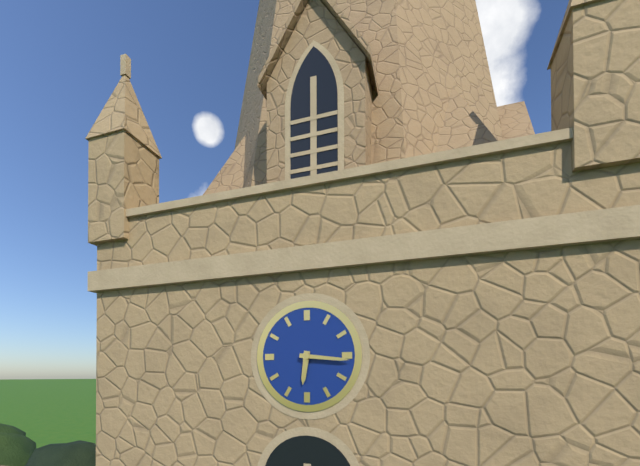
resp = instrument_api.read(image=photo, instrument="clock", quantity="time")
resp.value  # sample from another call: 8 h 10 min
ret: 6 h 16 min
